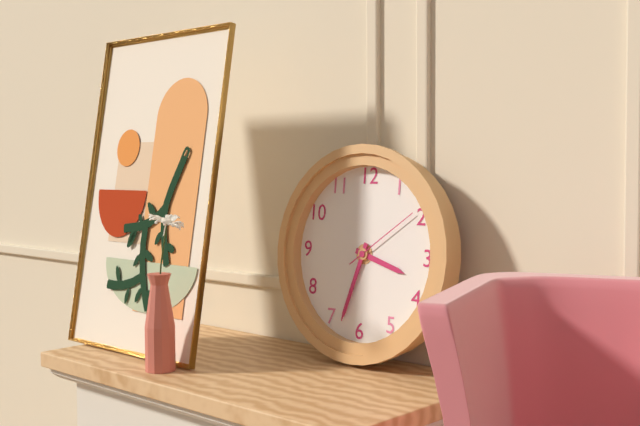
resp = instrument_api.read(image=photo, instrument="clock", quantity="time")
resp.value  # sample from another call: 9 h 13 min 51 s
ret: 3 h 33 min 09 s
